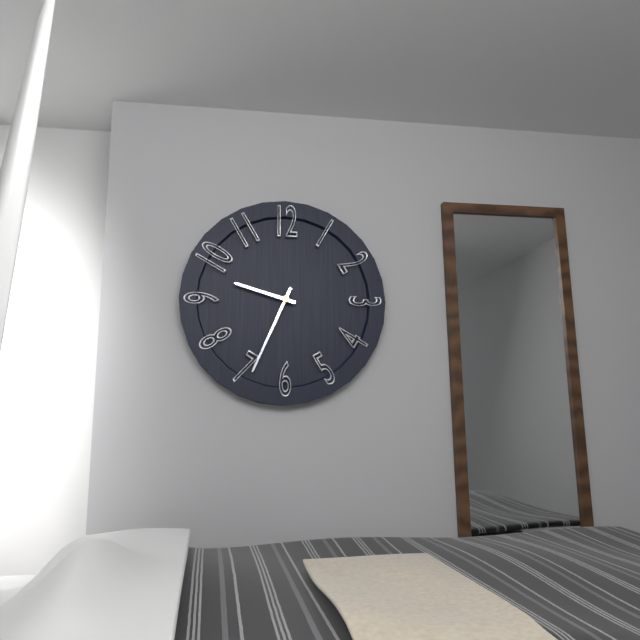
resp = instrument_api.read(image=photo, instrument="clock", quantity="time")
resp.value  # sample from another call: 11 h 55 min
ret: 9 h 34 min
